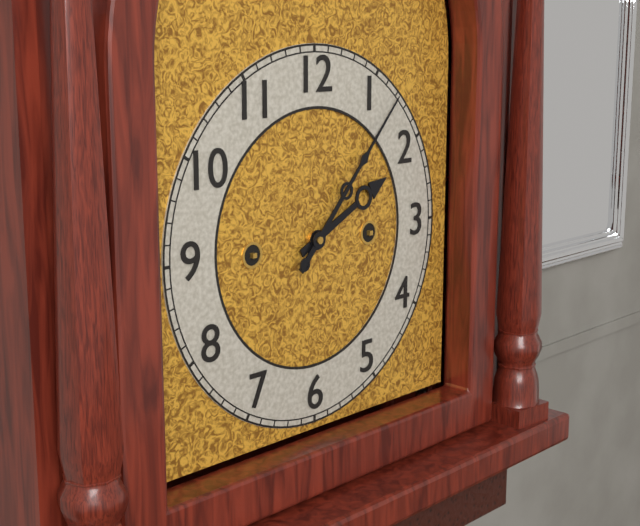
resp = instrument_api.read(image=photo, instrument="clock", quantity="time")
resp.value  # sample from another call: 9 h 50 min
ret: 2 h 07 min
